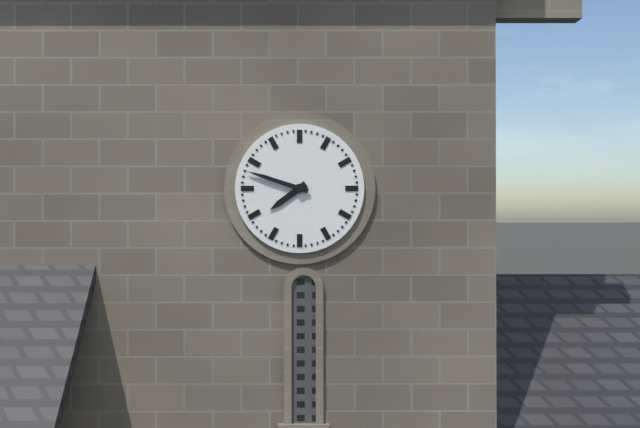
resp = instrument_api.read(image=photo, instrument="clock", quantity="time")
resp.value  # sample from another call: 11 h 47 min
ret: 7 h 48 min
